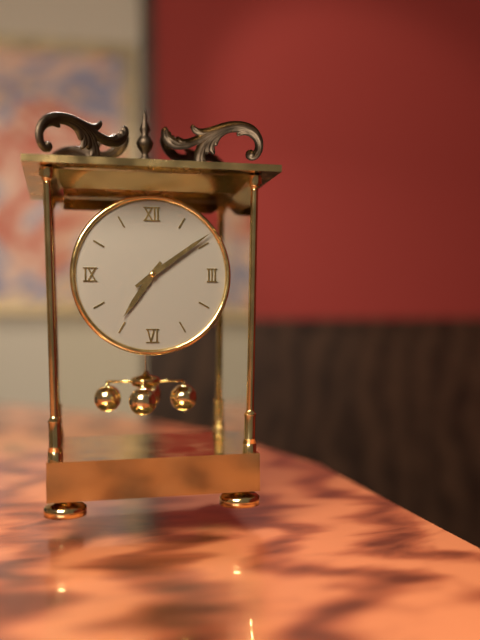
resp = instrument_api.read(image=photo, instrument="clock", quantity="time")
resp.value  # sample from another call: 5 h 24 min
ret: 7 h 09 min
